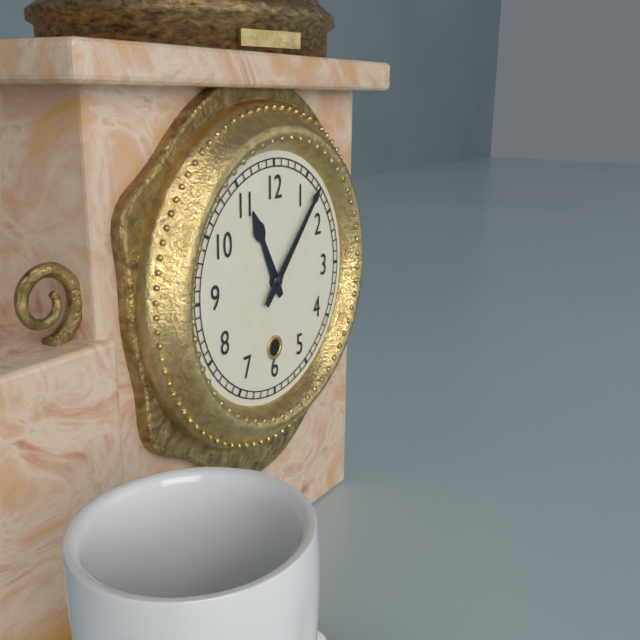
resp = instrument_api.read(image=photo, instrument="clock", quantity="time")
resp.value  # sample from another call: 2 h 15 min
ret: 11 h 07 min
